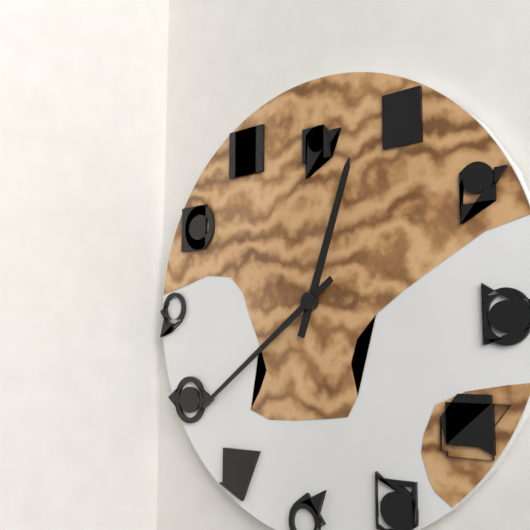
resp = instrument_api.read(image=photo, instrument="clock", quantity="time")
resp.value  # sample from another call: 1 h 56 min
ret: 12 h 39 min
